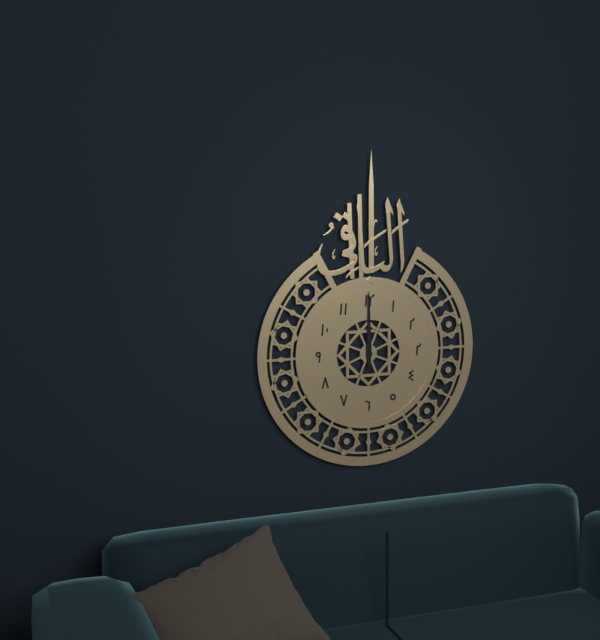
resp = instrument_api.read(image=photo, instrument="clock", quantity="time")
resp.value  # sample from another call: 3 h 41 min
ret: 12 h 00 min
